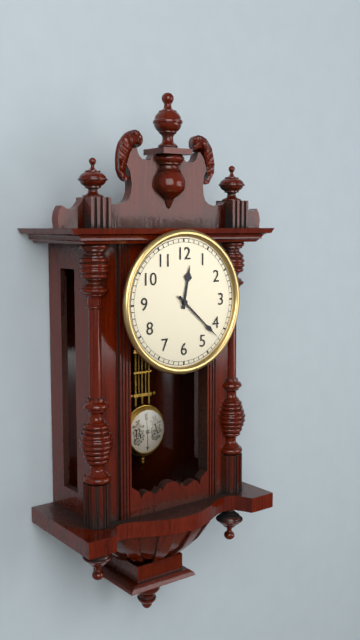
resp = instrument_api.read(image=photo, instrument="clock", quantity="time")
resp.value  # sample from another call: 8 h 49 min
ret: 12 h 22 min
